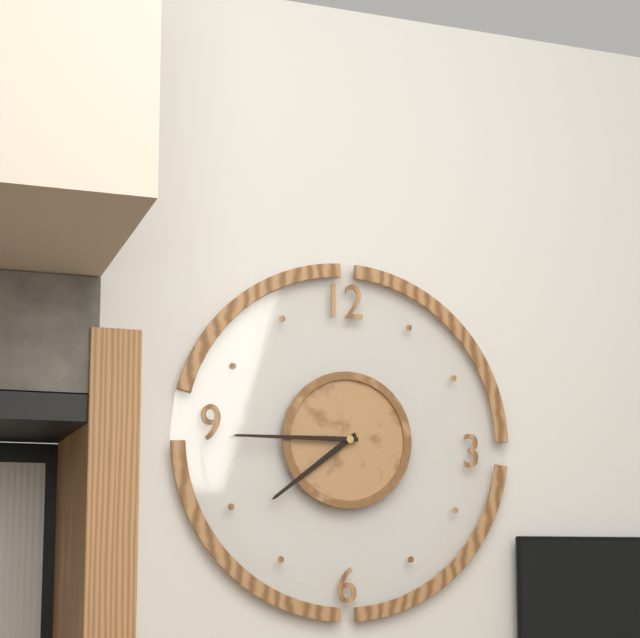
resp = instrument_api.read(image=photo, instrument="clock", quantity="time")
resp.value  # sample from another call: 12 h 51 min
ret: 7 h 45 min
